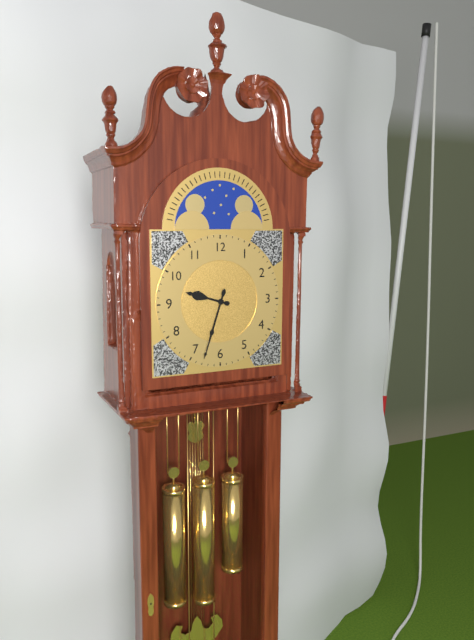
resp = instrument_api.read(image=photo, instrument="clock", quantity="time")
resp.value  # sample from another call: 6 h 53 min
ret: 9 h 33 min
